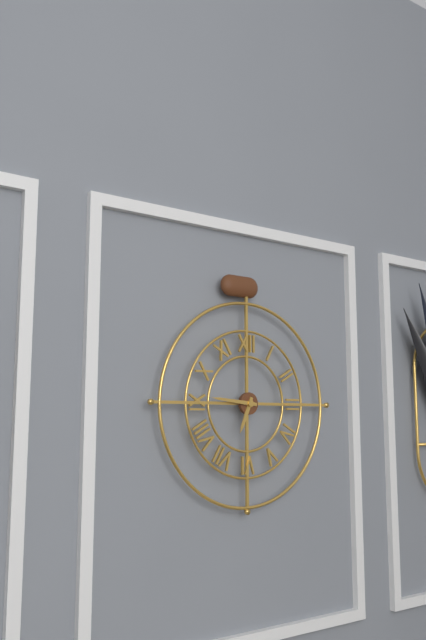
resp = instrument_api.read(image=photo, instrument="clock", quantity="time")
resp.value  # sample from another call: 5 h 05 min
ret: 6 h 46 min
